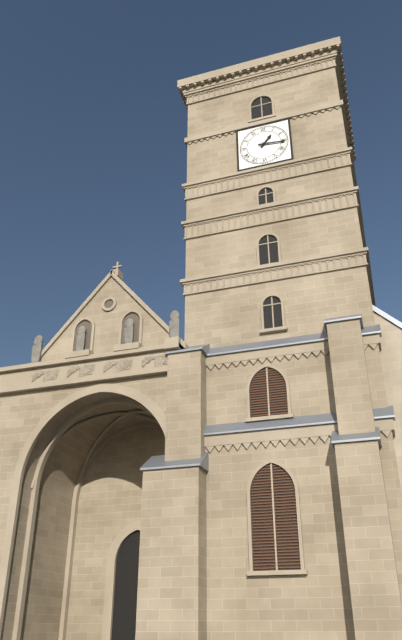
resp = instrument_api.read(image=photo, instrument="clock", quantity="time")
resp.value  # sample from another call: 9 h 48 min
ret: 1 h 16 min
